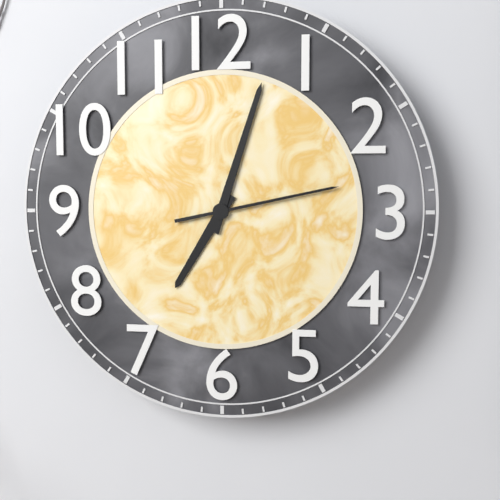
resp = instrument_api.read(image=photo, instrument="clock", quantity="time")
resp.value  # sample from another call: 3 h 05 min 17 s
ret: 7 h 03 min 13 s
